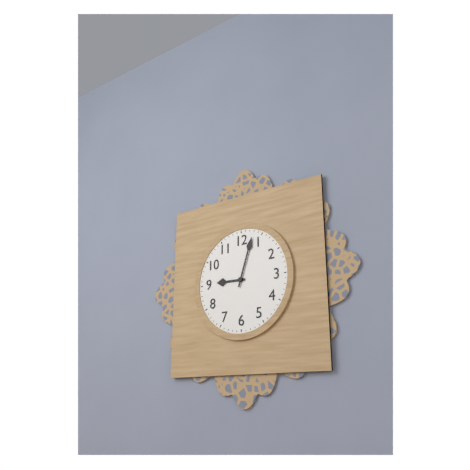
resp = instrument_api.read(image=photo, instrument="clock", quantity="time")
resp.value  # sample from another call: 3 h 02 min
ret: 9 h 03 min
